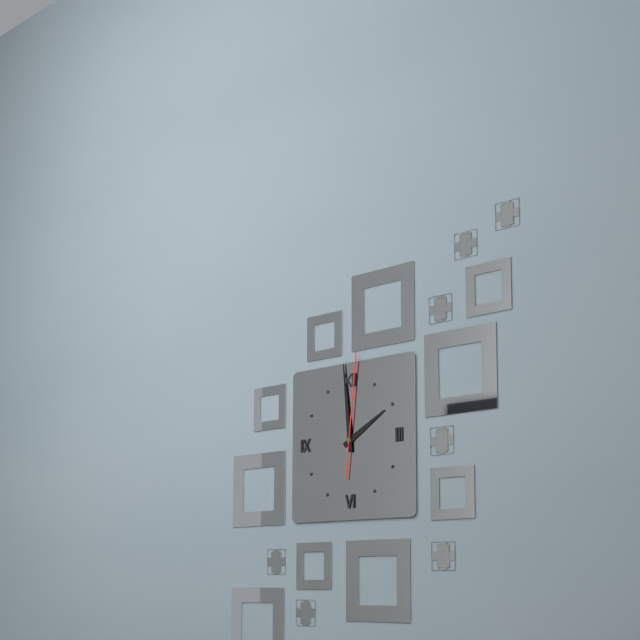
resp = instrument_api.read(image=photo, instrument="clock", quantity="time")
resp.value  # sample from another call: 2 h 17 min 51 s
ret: 1 h 59 min 01 s
